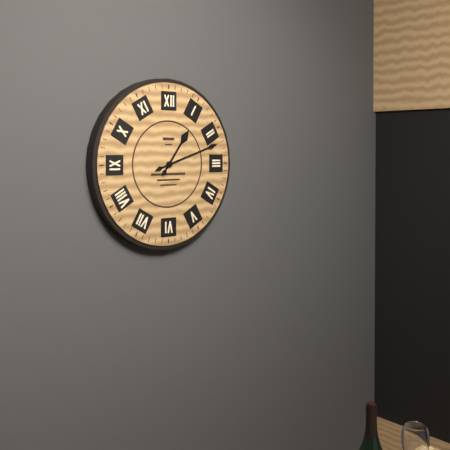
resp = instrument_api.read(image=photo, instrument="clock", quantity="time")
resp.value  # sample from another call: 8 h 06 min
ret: 1 h 12 min
